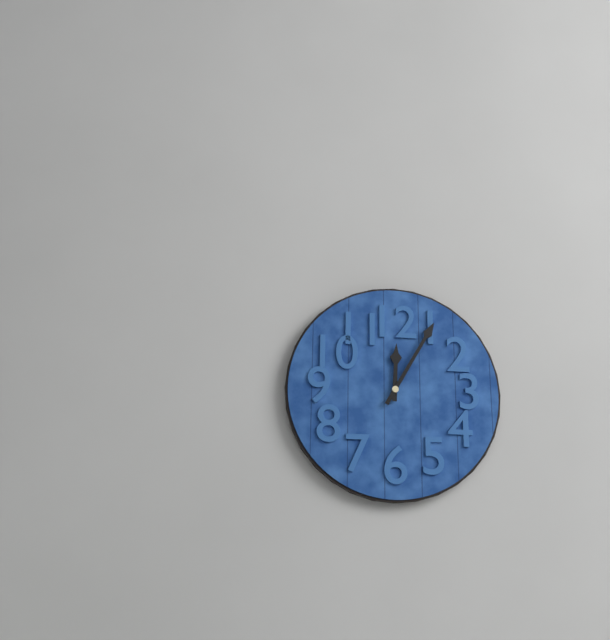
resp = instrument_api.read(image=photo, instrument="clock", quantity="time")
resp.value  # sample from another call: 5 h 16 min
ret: 12 h 05 min
